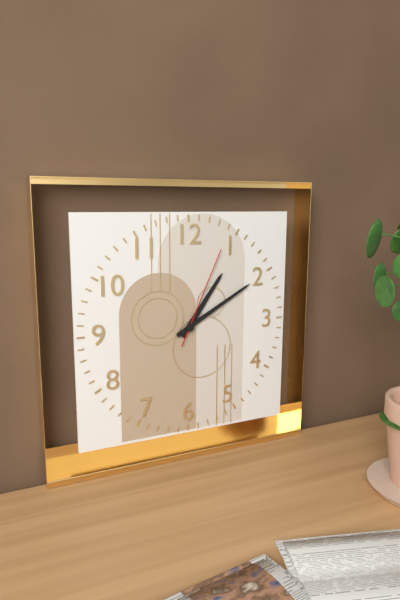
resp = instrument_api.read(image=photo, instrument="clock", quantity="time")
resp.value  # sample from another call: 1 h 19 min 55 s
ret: 1 h 10 min 04 s
